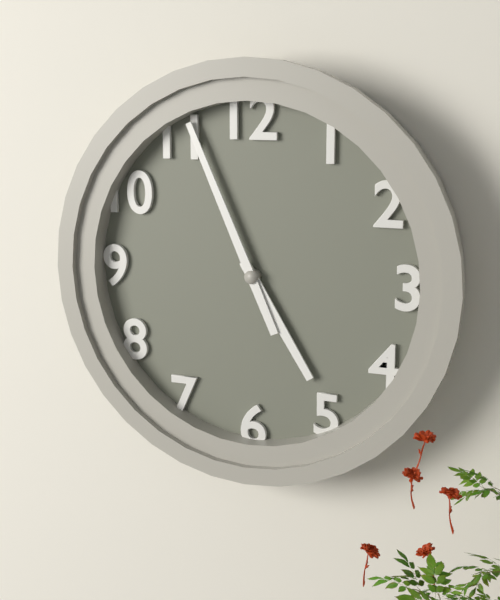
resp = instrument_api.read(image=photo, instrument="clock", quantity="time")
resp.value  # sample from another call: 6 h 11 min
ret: 4 h 56 min
